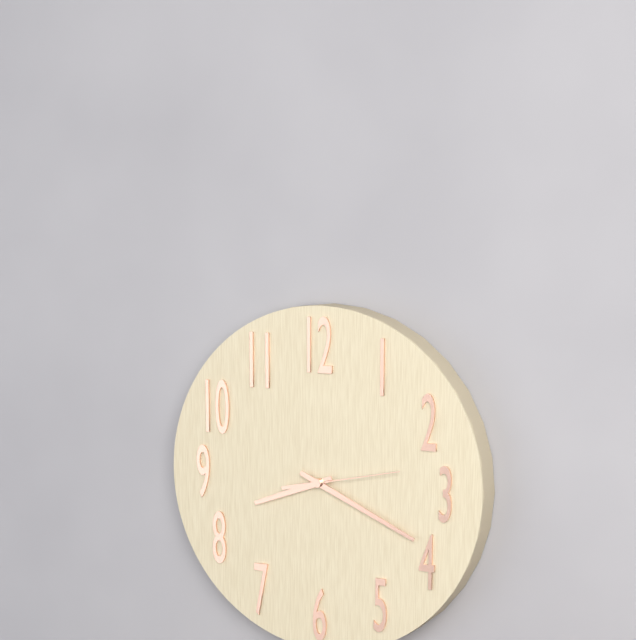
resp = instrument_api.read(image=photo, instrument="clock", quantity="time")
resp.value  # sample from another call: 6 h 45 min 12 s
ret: 8 h 19 min 13 s
